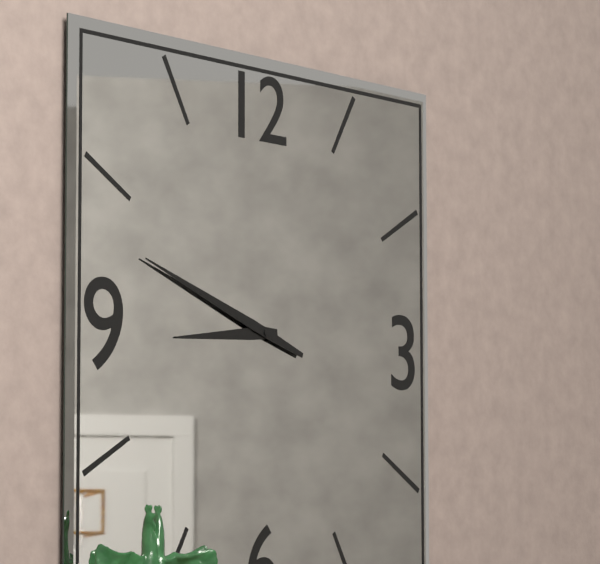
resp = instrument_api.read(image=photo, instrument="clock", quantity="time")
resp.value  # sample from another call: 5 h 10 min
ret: 8 h 48 min
